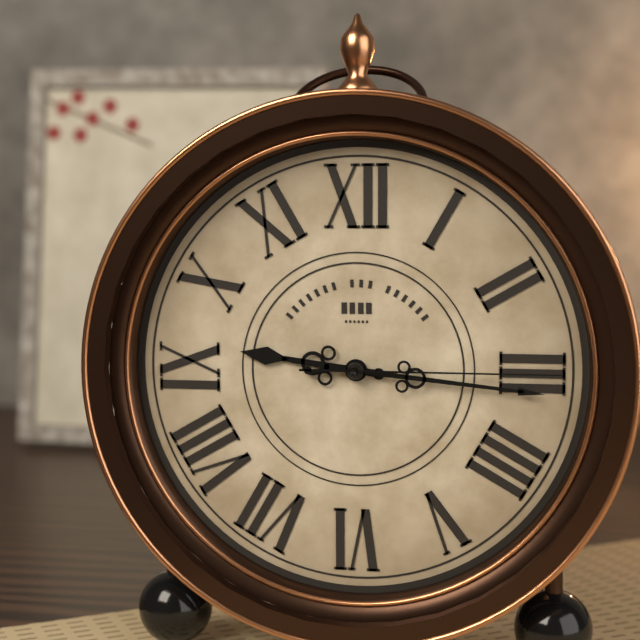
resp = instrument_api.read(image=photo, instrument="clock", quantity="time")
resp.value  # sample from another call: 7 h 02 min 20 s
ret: 9 h 16 min 15 s
